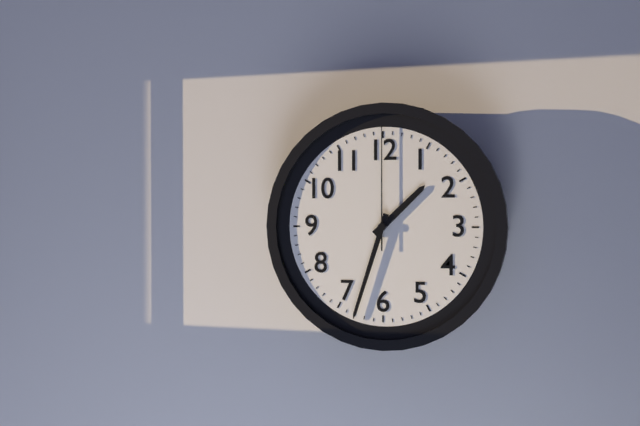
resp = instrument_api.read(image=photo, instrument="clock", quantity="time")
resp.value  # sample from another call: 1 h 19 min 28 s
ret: 1 h 33 min 00 s
